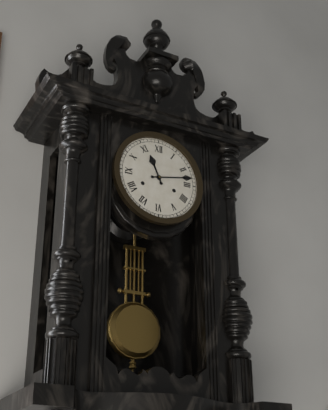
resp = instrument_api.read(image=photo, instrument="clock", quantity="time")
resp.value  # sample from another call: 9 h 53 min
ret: 11 h 13 min
